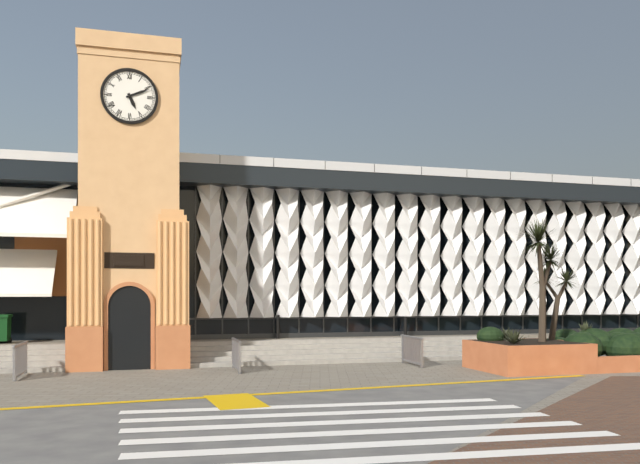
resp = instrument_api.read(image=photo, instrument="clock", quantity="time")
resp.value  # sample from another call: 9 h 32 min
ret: 5 h 11 min
